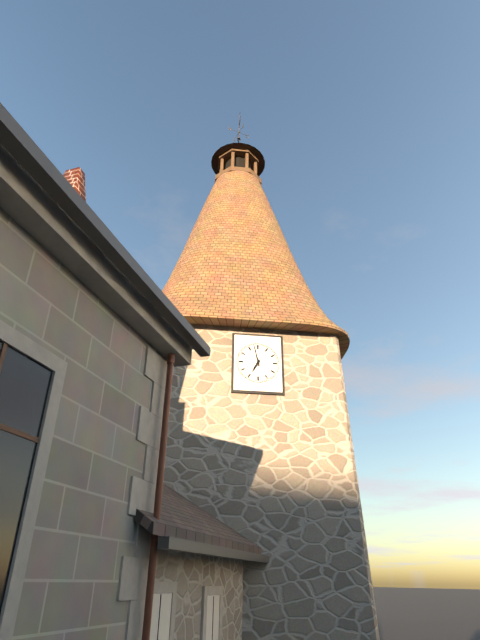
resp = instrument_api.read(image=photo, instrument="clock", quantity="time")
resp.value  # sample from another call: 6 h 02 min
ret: 6 h 58 min
